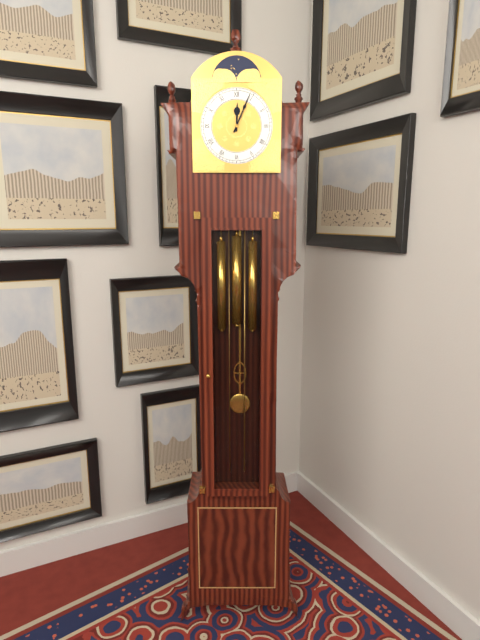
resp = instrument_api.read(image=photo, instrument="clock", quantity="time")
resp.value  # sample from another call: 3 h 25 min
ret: 12 h 04 min
